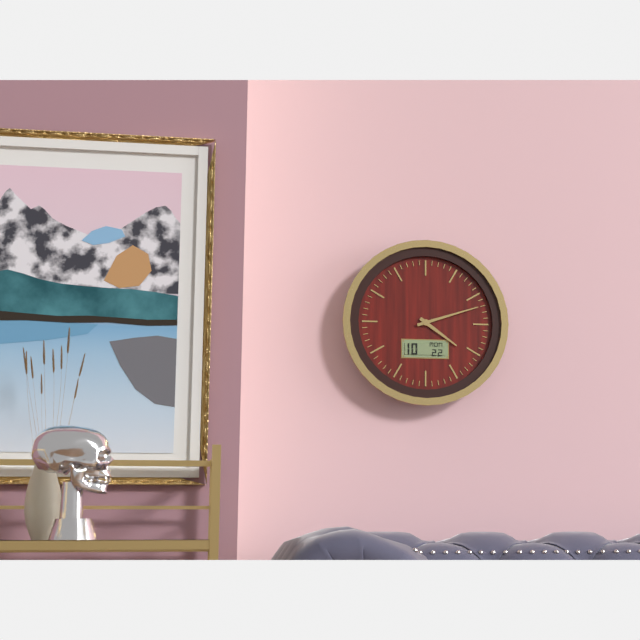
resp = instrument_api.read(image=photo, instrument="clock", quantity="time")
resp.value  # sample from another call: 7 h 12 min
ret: 4 h 12 min
